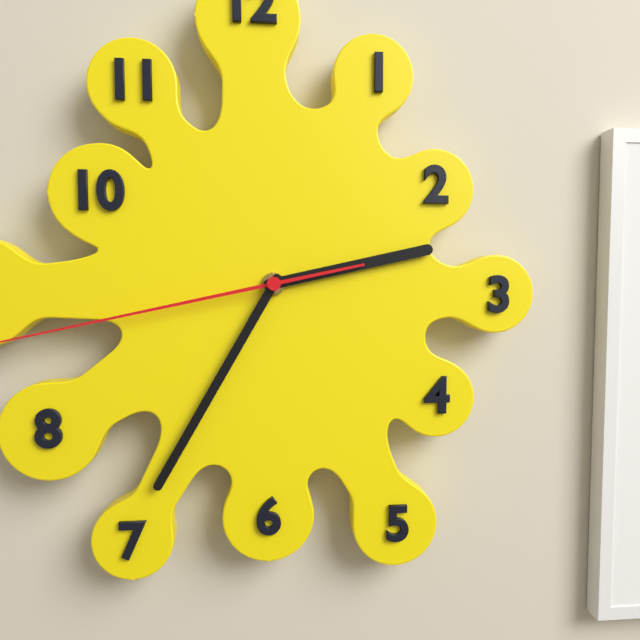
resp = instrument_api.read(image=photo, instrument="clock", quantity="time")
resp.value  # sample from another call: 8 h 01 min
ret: 2 h 35 min
